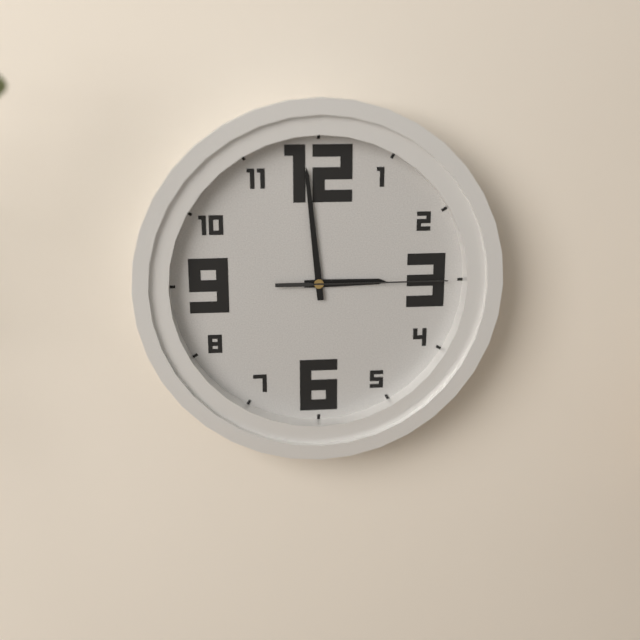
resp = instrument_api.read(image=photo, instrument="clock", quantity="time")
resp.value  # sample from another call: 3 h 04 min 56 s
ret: 2 h 59 min 15 s
